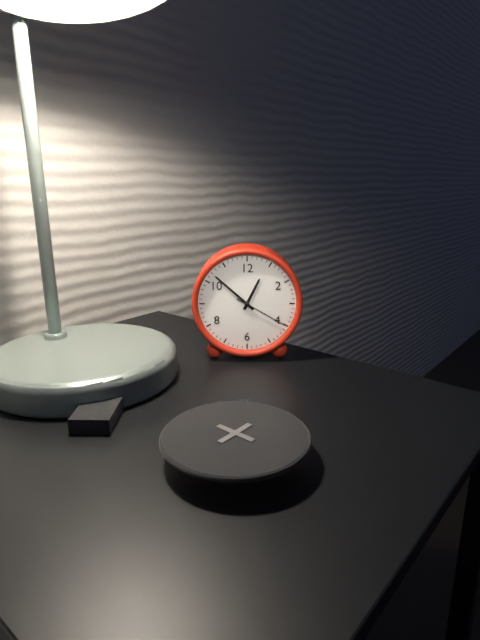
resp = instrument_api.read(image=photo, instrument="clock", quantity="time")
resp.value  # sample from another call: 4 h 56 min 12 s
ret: 12 h 52 min 20 s
